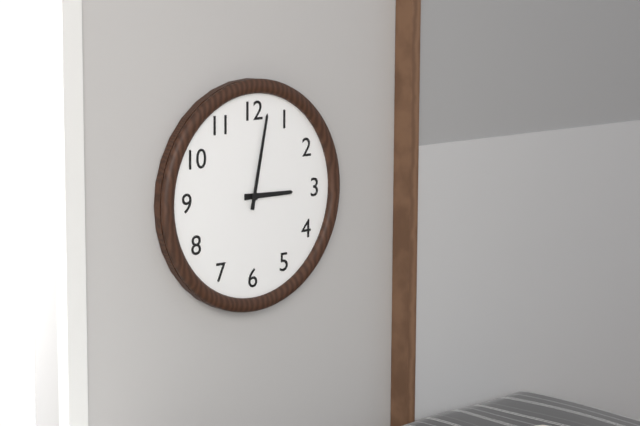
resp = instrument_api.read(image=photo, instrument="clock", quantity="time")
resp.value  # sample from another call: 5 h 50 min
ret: 3 h 02 min
